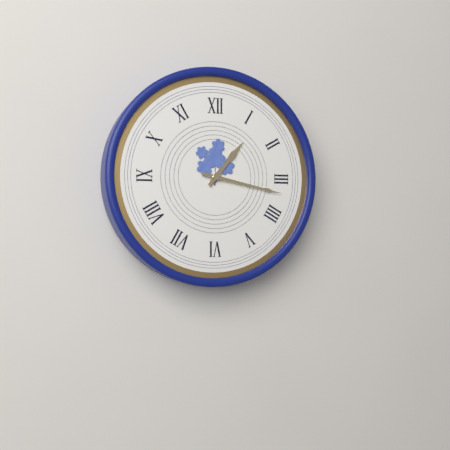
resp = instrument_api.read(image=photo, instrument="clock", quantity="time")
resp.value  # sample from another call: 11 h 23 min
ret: 1 h 17 min
